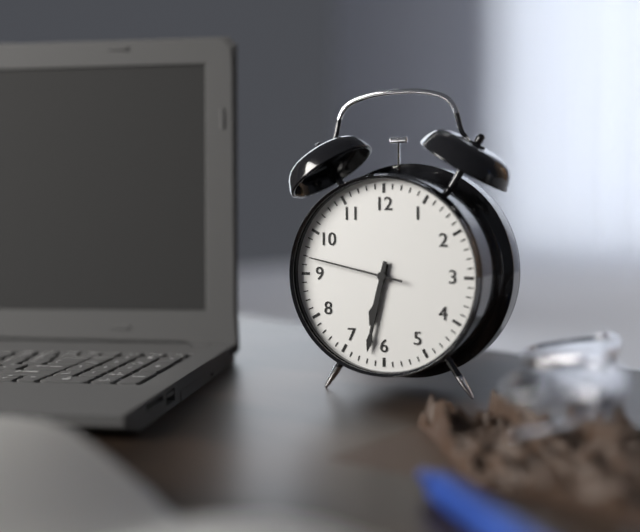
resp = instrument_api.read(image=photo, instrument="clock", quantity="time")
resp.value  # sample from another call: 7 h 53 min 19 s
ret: 6 h 32 min 47 s
